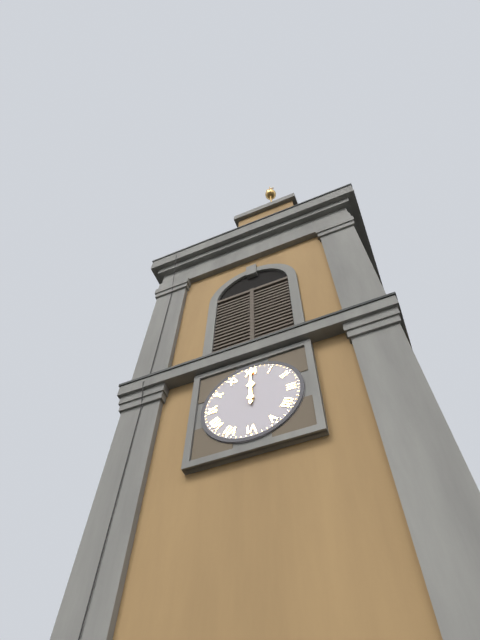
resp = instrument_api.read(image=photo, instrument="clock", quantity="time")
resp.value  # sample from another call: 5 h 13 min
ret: 12 h 00 min
